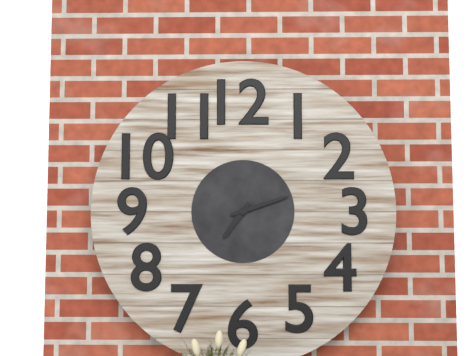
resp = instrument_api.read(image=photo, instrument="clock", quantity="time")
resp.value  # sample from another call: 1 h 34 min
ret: 7 h 12 min
